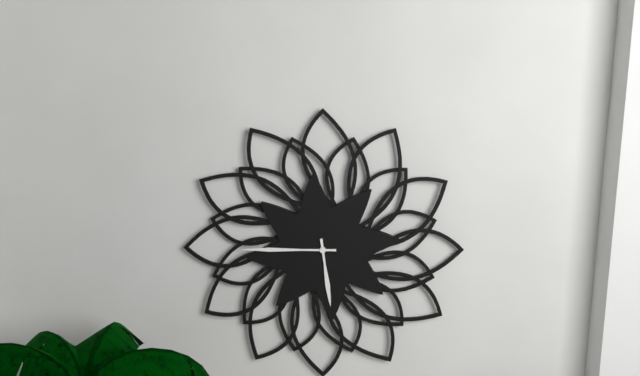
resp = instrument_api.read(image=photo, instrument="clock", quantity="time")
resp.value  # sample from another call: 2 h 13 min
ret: 5 h 45 min
